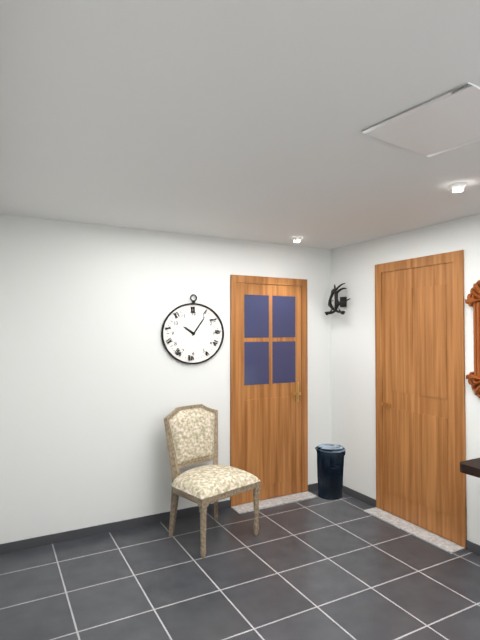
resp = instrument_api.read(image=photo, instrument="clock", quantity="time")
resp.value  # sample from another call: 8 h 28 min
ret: 10 h 06 min
